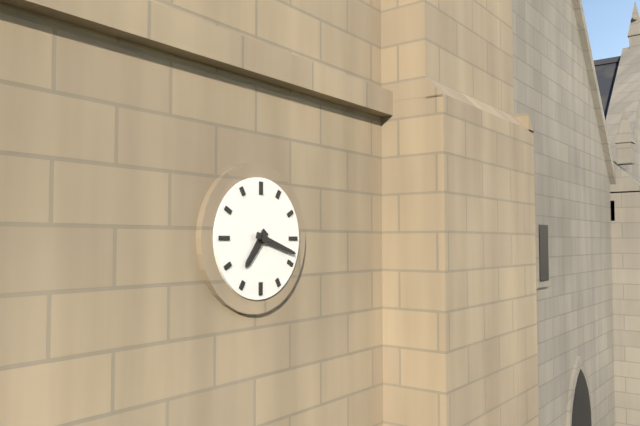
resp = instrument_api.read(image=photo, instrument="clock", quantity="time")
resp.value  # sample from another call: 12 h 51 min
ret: 7 h 18 min
